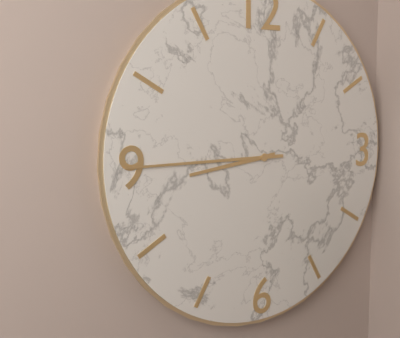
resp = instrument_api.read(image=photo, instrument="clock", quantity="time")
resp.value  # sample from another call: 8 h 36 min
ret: 8 h 45 min
